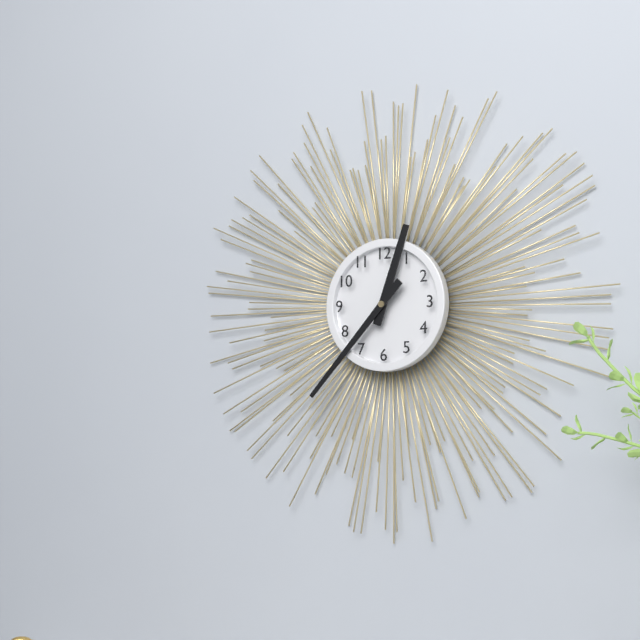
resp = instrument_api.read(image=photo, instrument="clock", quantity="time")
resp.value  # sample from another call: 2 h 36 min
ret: 12 h 37 min
